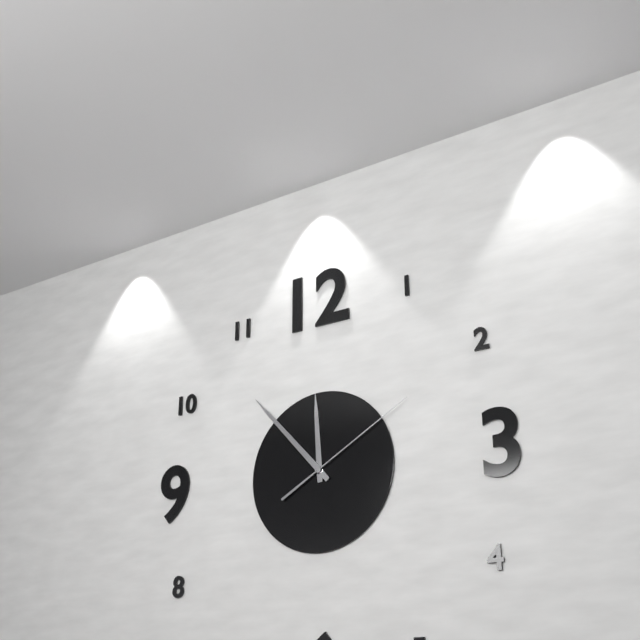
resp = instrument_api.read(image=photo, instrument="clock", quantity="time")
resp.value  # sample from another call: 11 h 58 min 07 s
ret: 11 h 53 min 10 s
